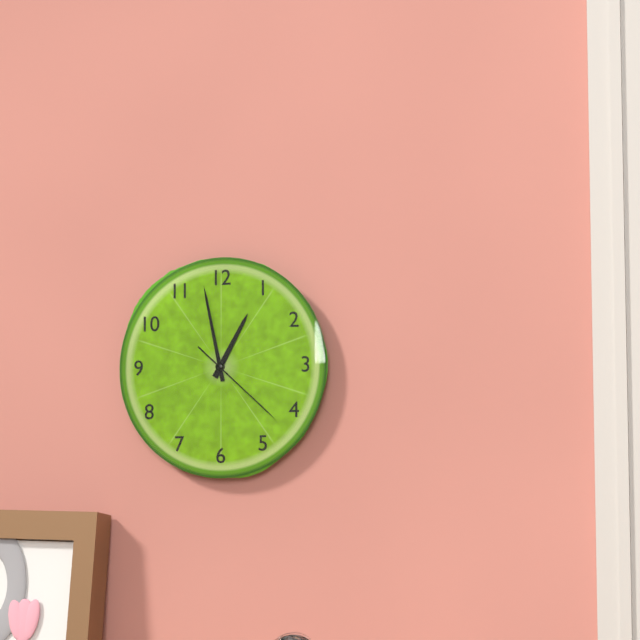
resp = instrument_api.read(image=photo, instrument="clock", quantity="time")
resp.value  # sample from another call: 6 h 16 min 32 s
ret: 12 h 58 min 22 s
